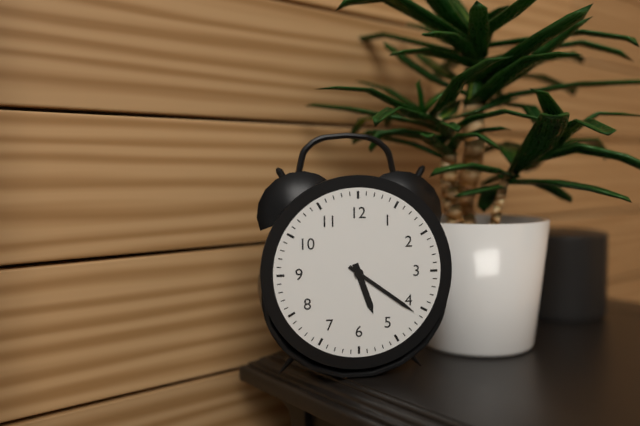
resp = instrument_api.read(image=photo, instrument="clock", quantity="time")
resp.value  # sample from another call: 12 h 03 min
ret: 5 h 21 min
